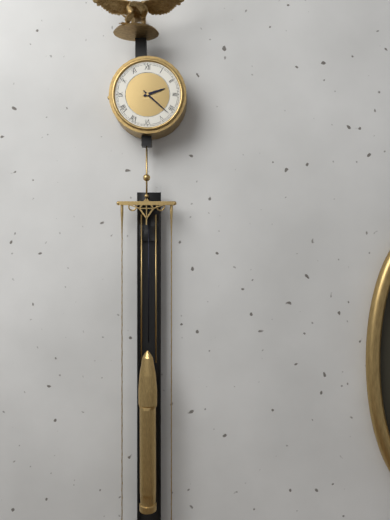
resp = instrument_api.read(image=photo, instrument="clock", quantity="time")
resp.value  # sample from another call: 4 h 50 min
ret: 2 h 22 min
